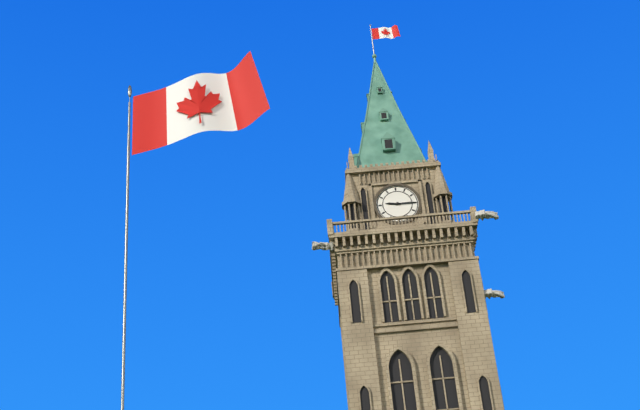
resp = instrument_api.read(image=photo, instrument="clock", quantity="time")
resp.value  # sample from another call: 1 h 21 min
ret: 9 h 15 min
